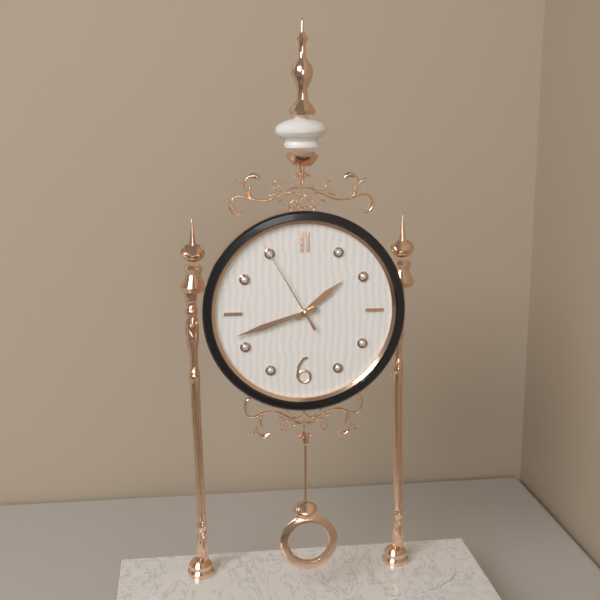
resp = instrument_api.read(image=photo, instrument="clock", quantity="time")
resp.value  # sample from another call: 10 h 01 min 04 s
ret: 1 h 42 min 55 s
